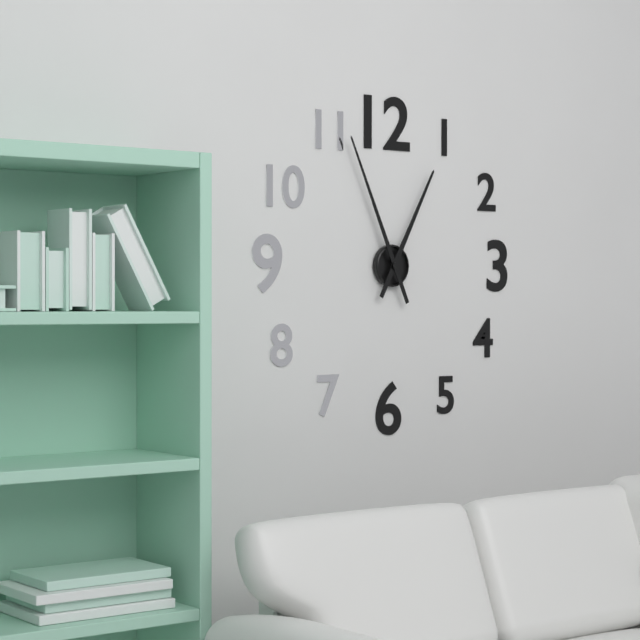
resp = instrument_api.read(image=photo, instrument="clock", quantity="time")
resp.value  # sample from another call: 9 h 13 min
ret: 12 h 56 min
